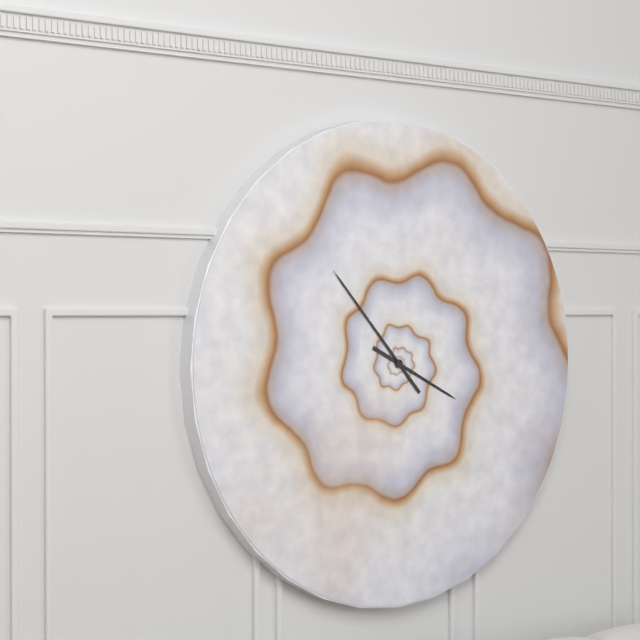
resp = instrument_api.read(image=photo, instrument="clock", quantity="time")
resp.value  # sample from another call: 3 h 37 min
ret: 3 h 53 min
